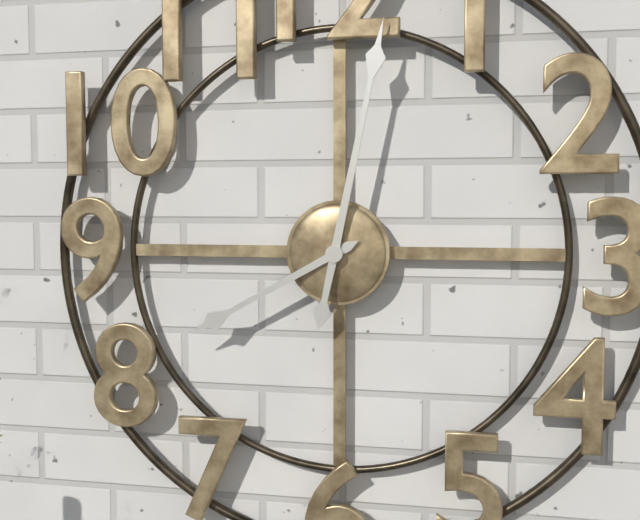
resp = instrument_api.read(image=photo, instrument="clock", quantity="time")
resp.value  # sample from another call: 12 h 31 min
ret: 8 h 02 min
